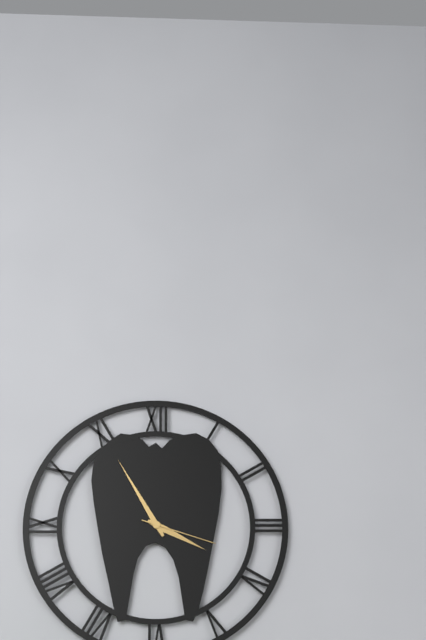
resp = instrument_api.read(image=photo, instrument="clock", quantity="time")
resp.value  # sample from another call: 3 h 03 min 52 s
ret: 3 h 55 min 18 s
